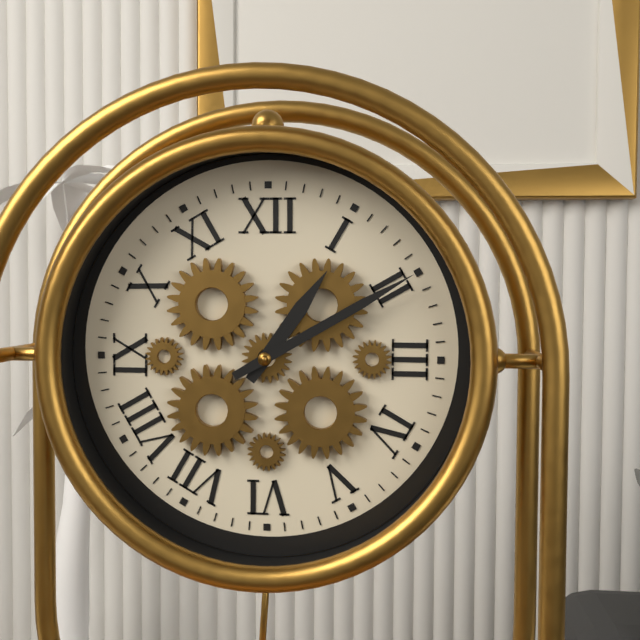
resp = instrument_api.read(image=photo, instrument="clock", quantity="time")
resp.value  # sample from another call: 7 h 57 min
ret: 1 h 10 min
